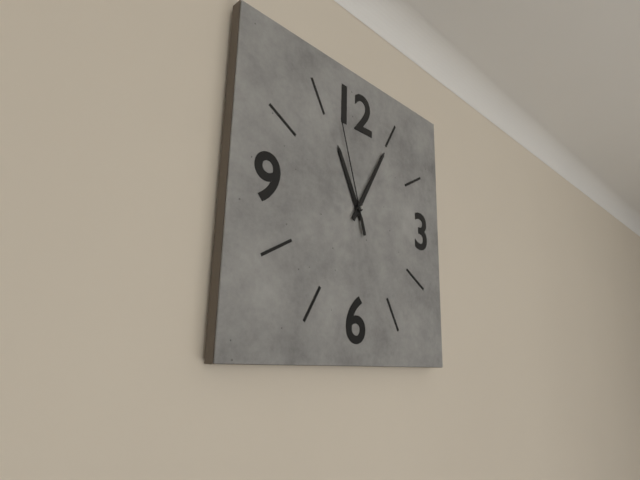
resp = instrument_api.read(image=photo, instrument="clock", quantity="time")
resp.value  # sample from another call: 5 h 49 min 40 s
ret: 11 h 05 min 57 s
